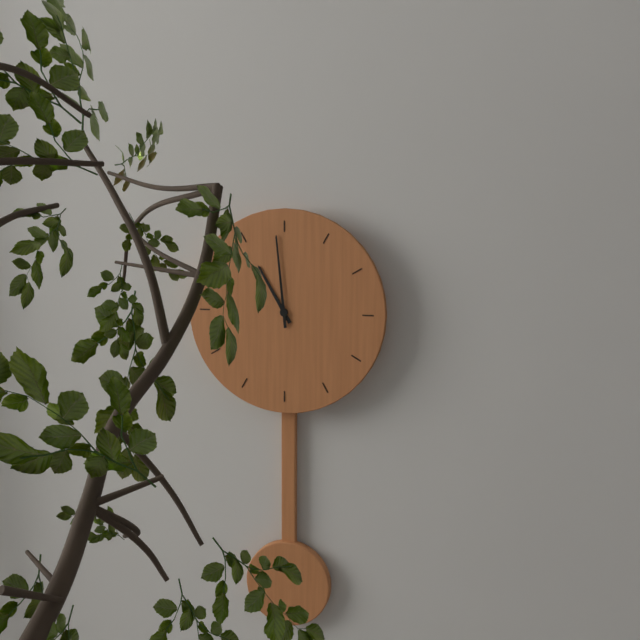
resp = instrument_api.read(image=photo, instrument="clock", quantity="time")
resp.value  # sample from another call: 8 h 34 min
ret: 10 h 59 min
